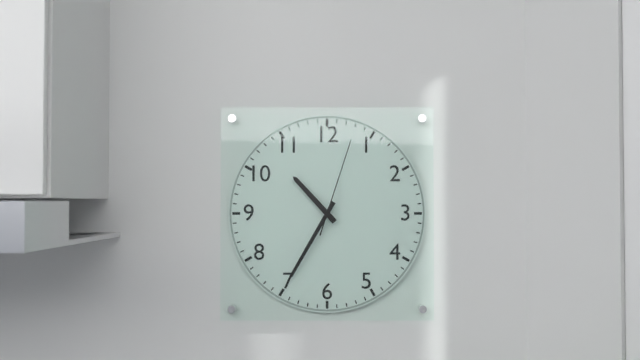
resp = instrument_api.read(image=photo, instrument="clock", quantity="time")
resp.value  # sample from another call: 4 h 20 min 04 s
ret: 10 h 35 min 03 s
